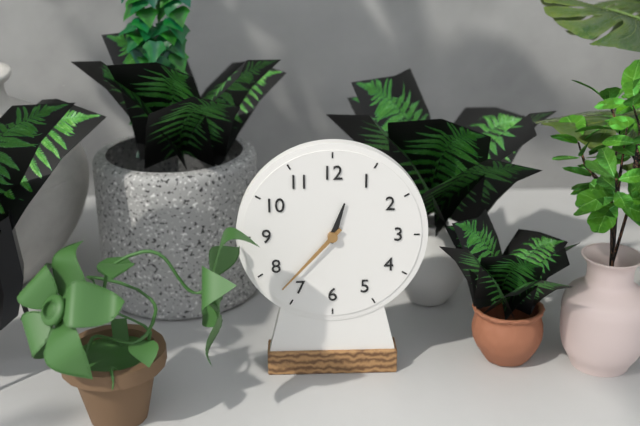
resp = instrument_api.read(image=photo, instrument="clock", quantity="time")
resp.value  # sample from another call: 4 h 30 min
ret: 12 h 37 min
